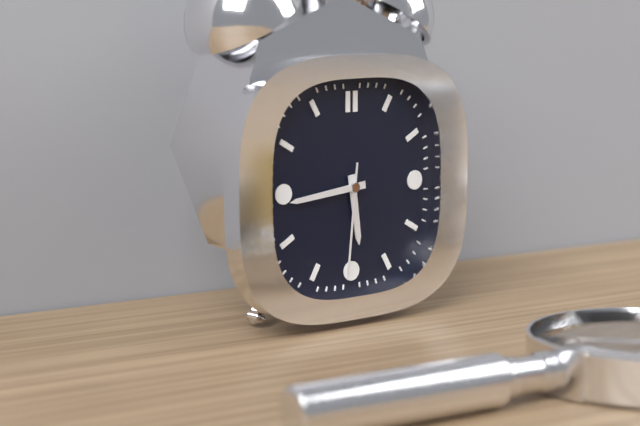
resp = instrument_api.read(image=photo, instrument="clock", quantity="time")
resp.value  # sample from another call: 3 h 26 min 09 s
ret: 5 h 44 min 31 s
